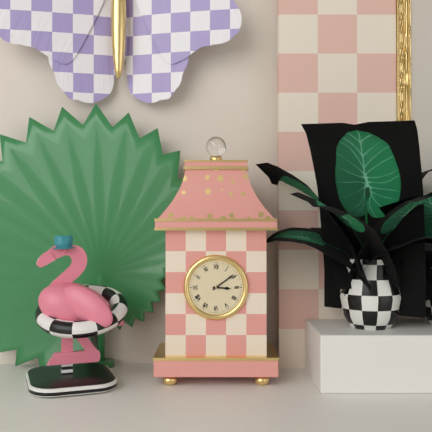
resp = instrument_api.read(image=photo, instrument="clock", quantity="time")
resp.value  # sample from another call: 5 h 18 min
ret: 3 h 09 min
